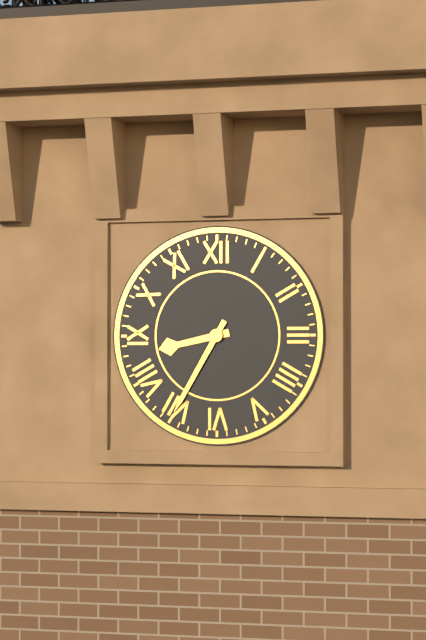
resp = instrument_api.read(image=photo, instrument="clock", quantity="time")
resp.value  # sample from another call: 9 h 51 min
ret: 8 h 35 min
